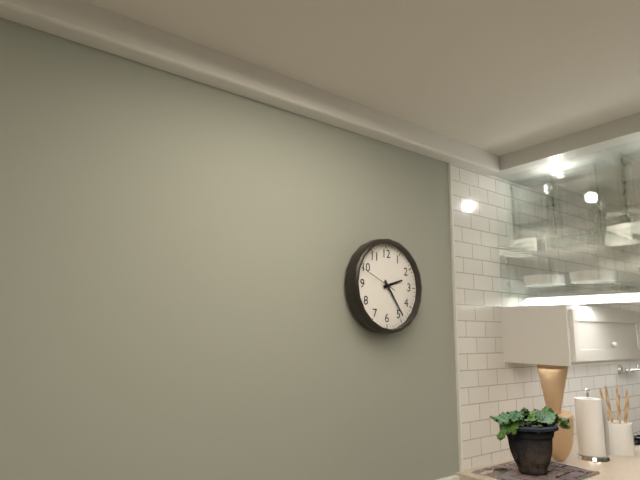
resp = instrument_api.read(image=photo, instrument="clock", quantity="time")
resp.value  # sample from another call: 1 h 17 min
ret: 2 h 24 min
